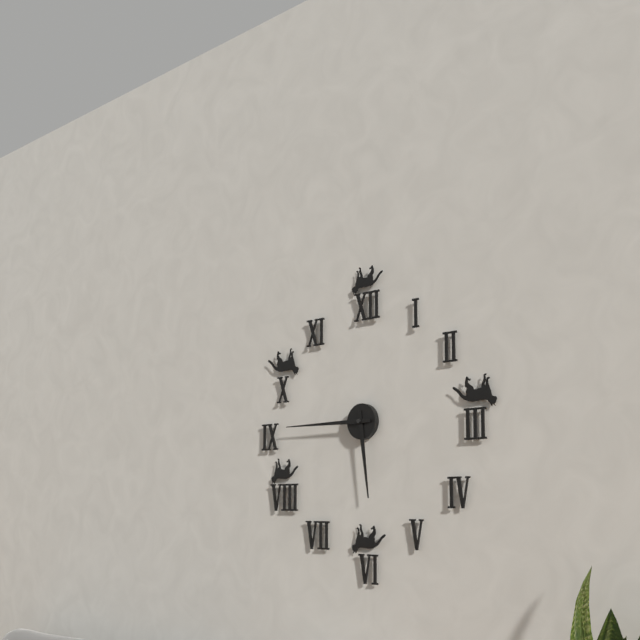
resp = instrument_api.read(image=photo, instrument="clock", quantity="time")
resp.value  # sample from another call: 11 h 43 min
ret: 5 h 45 min
